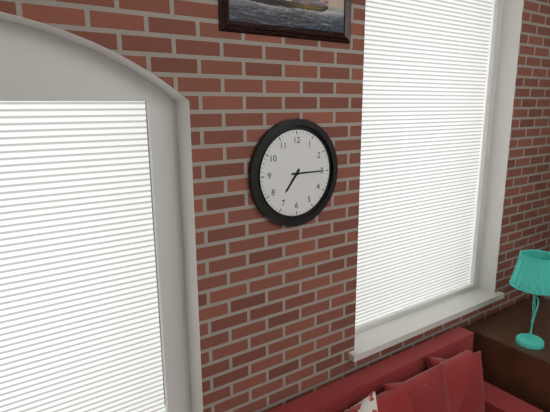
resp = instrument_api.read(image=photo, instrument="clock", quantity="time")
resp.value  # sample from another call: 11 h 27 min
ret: 7 h 15 min
